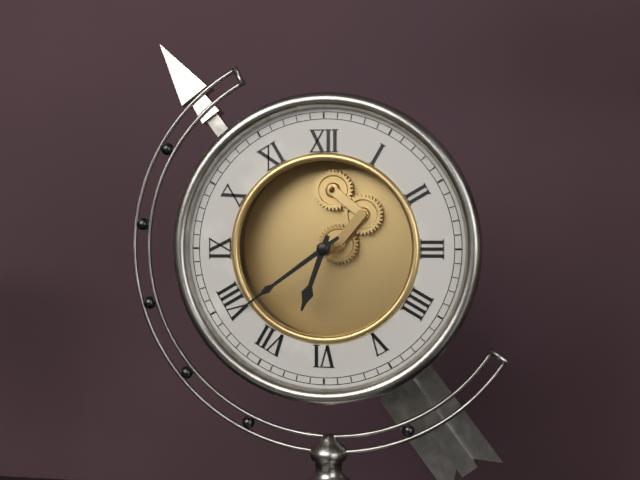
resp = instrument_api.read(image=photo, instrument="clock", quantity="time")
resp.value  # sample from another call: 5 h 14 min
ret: 6 h 39 min
